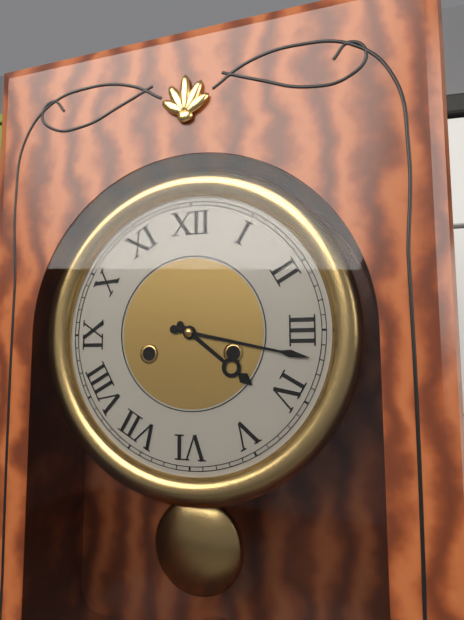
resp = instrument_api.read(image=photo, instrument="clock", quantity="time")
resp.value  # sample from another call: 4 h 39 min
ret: 4 h 17 min
